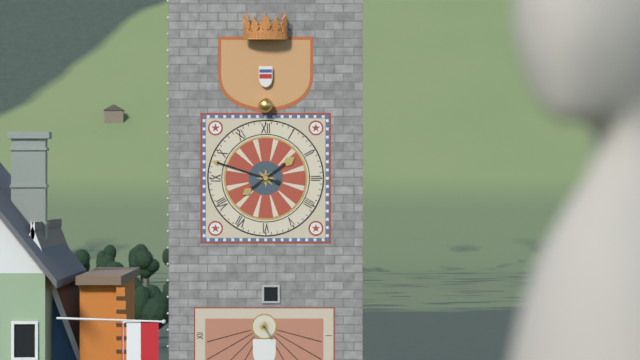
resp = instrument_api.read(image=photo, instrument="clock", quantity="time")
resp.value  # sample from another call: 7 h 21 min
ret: 1 h 48 min
